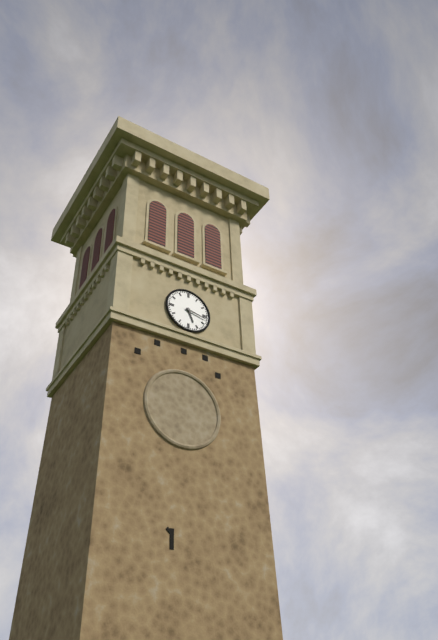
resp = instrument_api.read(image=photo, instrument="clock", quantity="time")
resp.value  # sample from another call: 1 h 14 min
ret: 5 h 17 min
